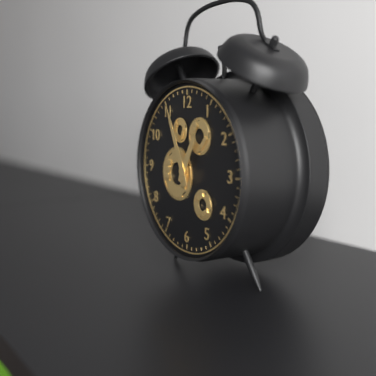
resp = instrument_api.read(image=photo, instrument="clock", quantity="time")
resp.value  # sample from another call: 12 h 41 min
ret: 12 h 56 min
